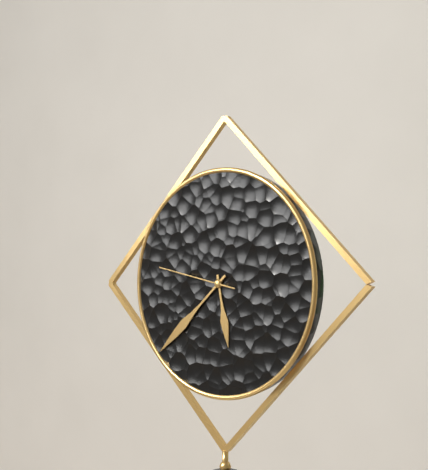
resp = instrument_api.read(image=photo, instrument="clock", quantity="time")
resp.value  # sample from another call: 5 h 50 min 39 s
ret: 5 h 38 min 47 s
